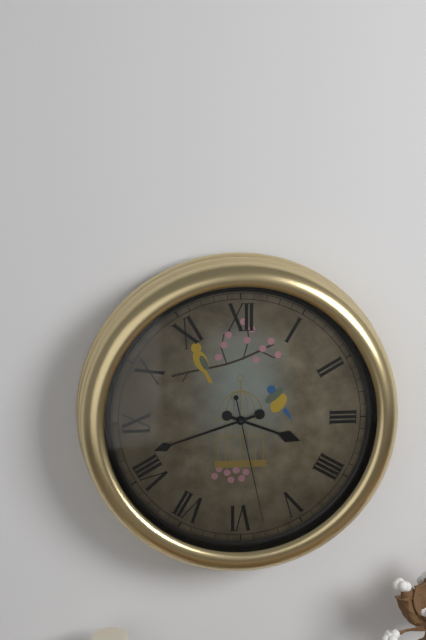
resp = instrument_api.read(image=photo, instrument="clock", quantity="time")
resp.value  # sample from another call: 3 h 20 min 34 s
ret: 3 h 42 min 28 s
